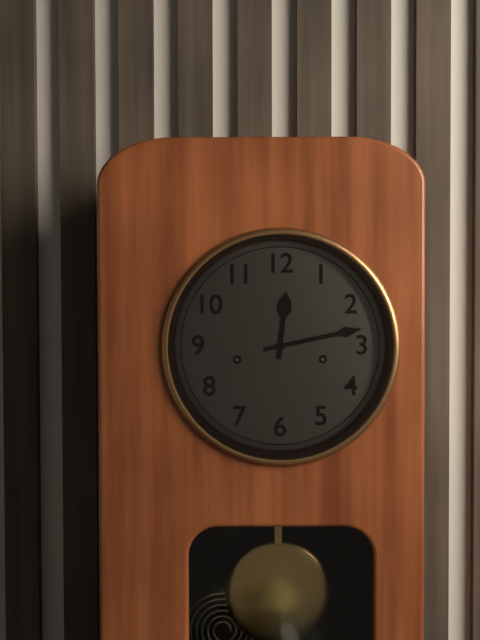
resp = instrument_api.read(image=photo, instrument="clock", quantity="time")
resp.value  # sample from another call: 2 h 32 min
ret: 12 h 13 min
